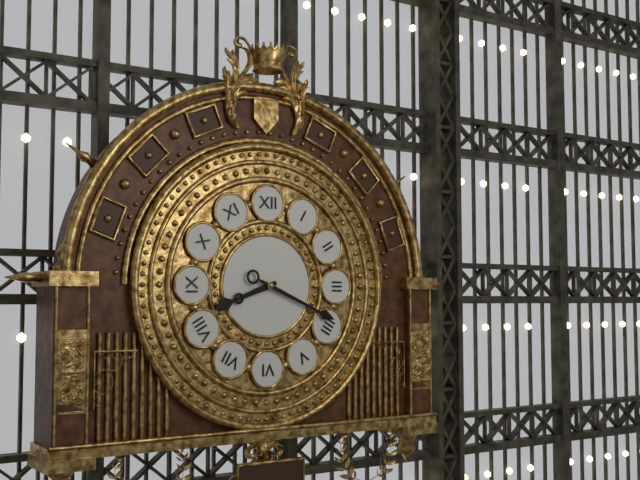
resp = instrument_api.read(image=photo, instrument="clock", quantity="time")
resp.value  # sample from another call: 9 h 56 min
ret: 8 h 19 min
